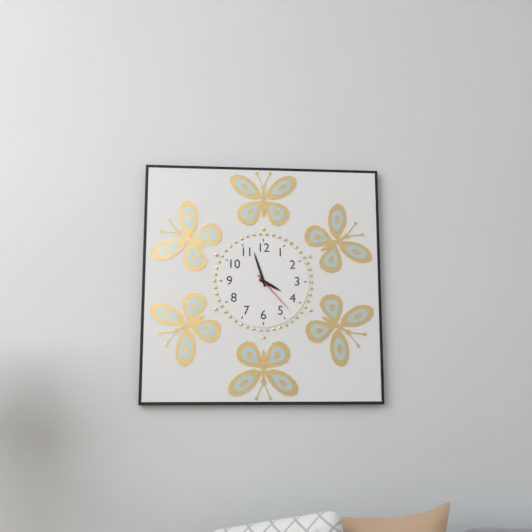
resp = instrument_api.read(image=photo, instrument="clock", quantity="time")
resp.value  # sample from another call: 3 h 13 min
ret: 3 h 57 min
